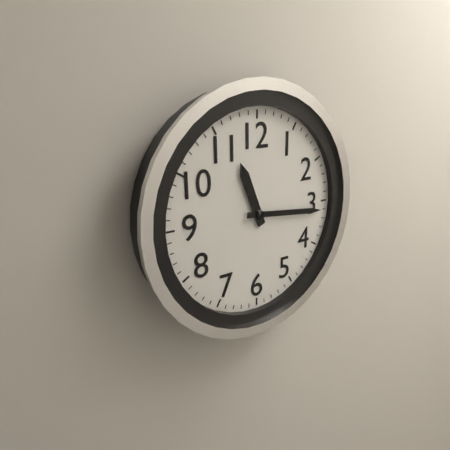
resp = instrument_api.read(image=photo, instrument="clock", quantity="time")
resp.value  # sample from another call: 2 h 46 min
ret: 11 h 16 min
